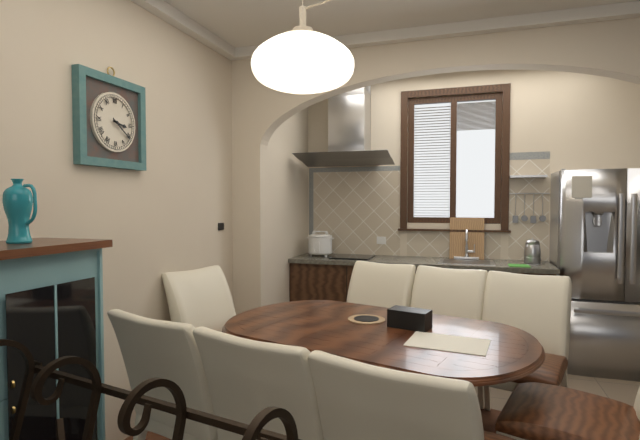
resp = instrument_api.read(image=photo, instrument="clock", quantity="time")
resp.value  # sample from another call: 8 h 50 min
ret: 3 h 21 min
